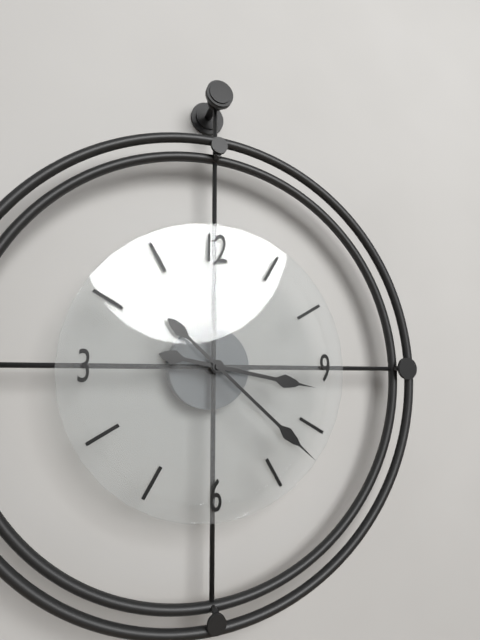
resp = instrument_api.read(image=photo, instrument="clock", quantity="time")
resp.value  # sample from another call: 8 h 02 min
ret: 3 h 22 min
